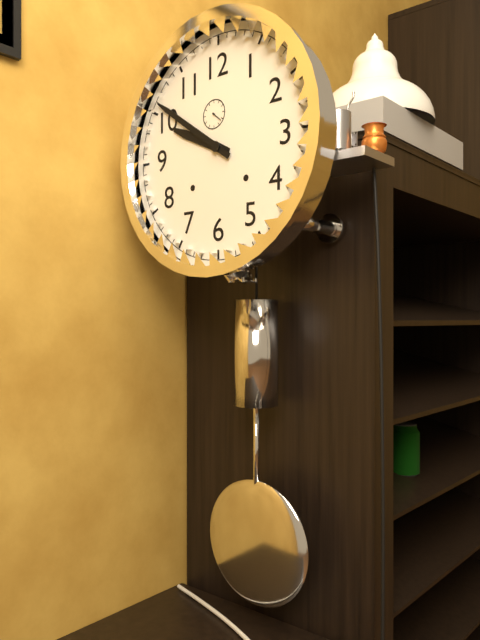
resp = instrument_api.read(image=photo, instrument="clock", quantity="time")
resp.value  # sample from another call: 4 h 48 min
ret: 9 h 51 min
